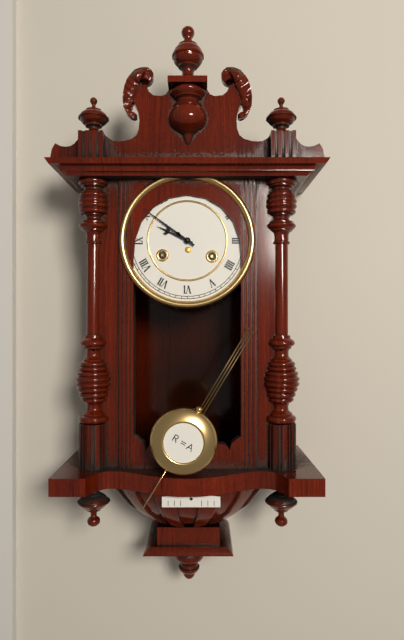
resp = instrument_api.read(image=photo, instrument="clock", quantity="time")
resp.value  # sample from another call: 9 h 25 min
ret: 9 h 51 min
